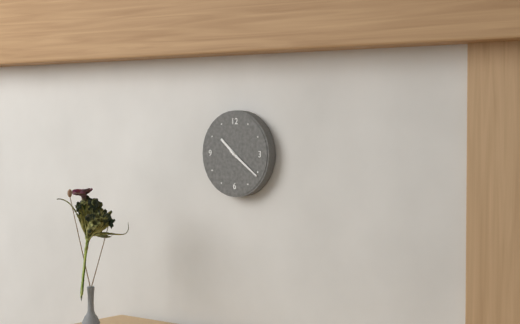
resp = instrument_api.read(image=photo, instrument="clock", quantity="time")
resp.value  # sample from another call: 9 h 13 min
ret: 10 h 21 min
